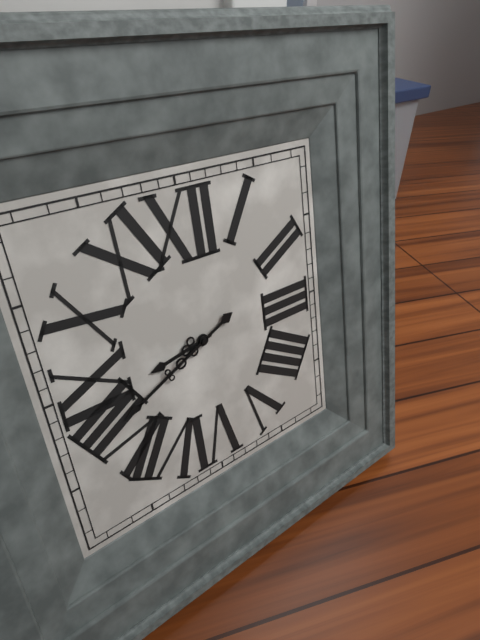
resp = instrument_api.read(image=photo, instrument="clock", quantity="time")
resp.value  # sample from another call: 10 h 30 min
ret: 8 h 41 min
